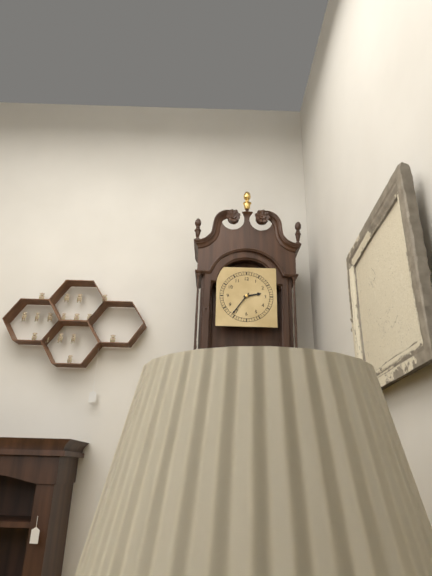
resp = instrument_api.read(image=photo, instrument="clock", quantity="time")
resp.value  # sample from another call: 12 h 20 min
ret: 2 h 36 min
